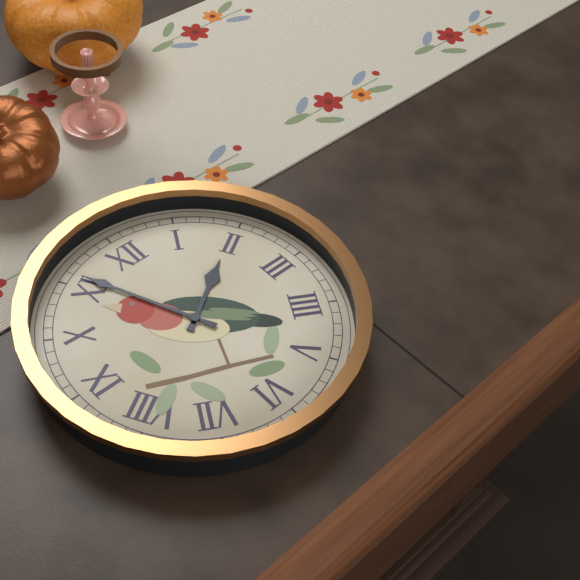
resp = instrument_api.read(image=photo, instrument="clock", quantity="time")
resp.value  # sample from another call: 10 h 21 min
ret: 1 h 56 min
